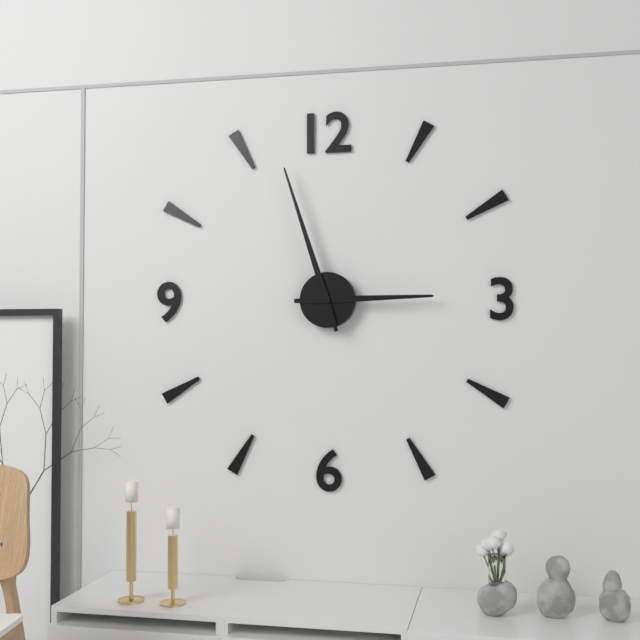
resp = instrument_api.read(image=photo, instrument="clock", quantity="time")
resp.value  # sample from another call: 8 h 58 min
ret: 2 h 57 min
